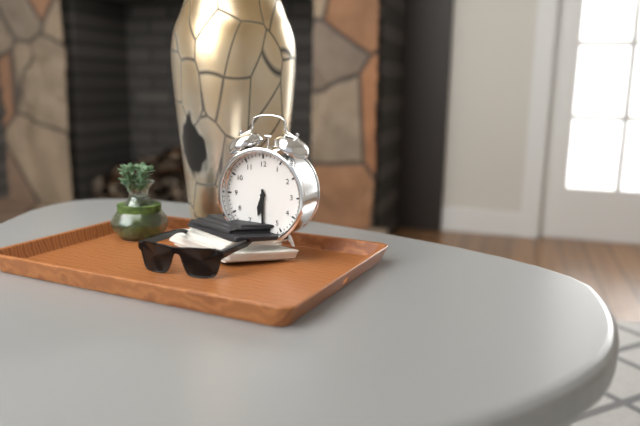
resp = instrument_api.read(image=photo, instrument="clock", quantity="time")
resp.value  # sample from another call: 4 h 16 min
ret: 6 h 30 min
